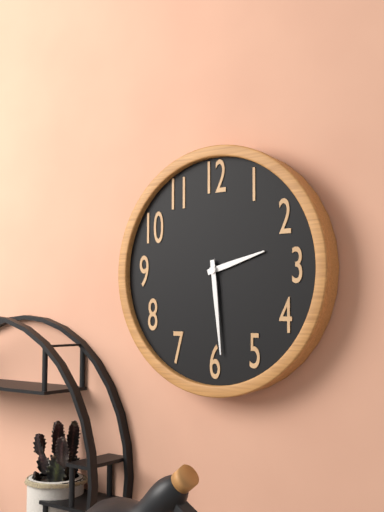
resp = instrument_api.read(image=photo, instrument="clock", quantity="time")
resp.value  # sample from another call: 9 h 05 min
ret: 2 h 29 min
